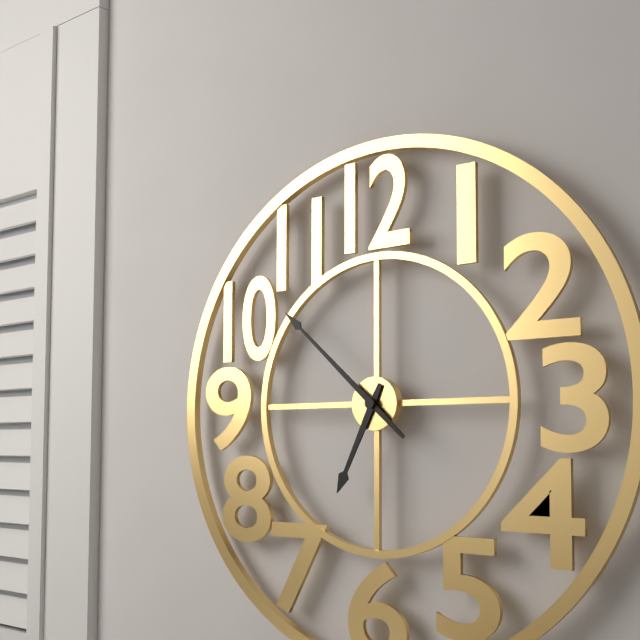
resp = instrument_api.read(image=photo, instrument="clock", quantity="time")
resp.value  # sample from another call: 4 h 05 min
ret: 6 h 52 min
